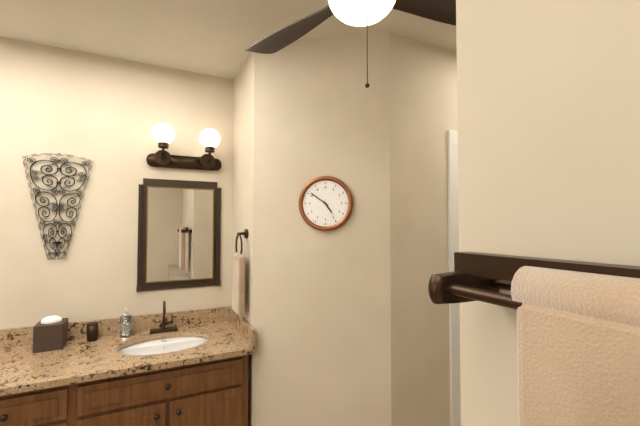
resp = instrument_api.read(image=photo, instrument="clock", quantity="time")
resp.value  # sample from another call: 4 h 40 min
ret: 4 h 51 min
